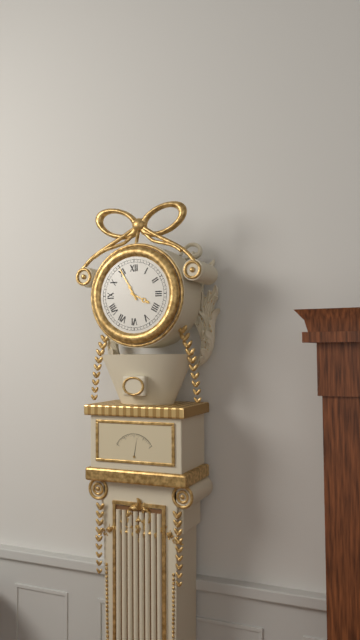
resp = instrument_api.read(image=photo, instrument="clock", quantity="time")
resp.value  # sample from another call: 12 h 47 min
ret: 3 h 55 min
